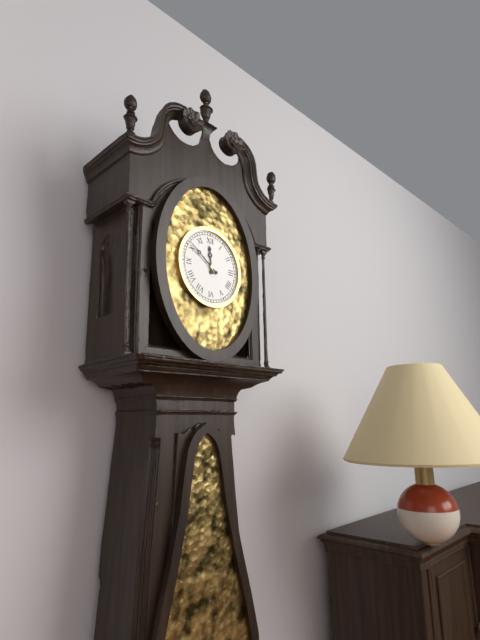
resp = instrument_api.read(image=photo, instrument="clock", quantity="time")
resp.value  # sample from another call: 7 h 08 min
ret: 11 h 51 min
